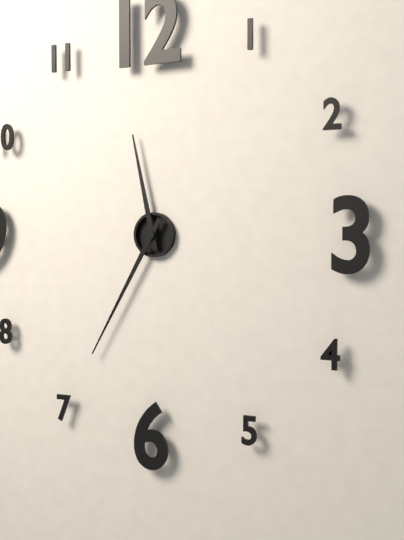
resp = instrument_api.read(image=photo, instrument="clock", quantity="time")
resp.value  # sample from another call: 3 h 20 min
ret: 11 h 35 min
